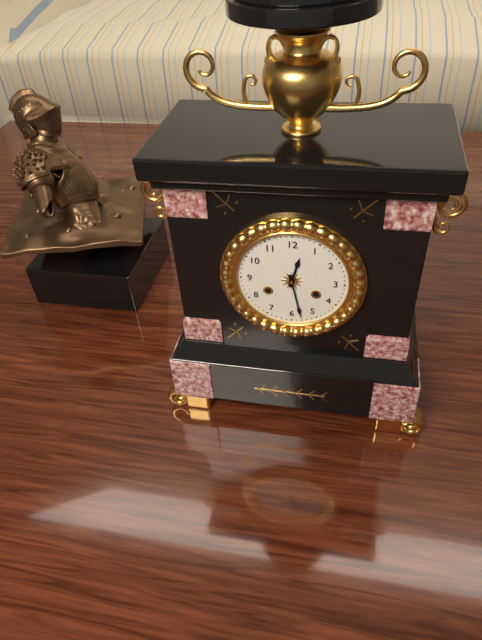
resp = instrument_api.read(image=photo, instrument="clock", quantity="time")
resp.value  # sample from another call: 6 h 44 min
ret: 12 h 28 min
